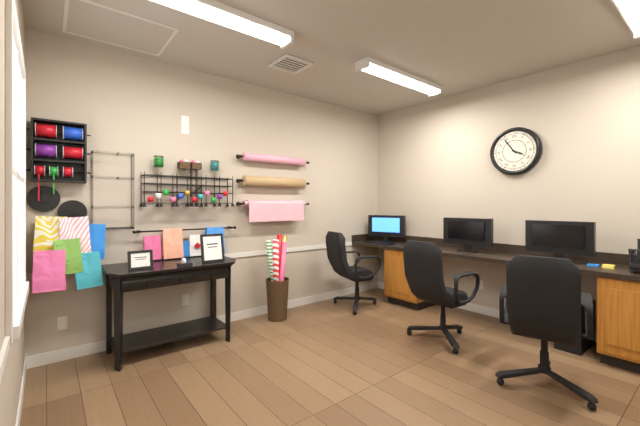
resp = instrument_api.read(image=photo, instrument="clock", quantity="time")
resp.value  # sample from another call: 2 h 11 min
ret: 3 h 54 min
